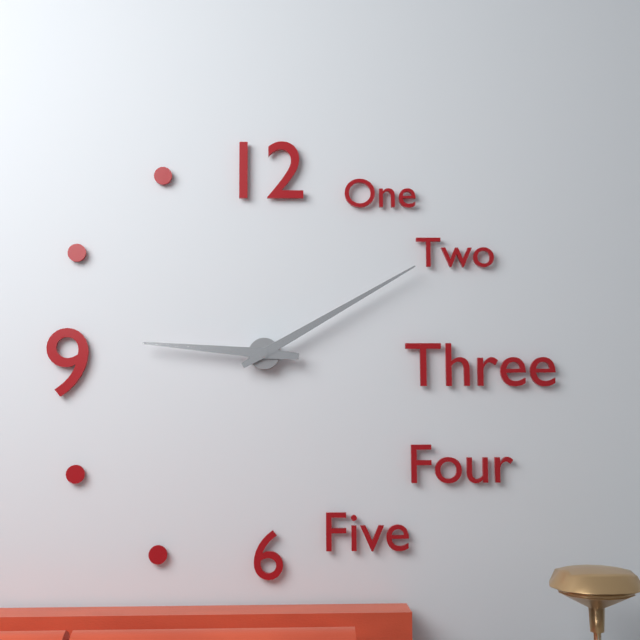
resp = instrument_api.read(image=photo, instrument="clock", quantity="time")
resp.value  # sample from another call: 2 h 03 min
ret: 9 h 10 min
